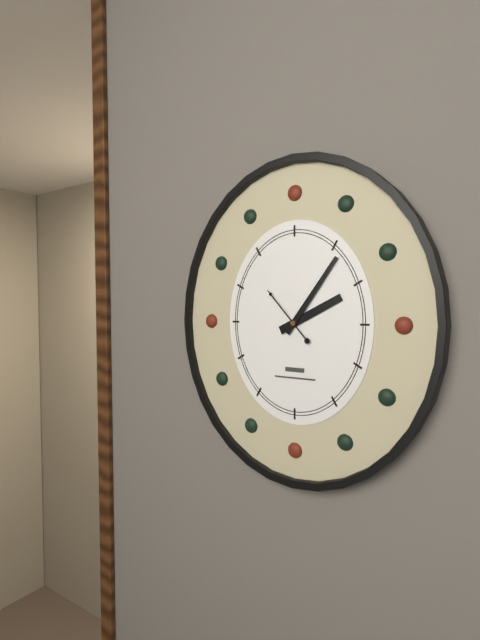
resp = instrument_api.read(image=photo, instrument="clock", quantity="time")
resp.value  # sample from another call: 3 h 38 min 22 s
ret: 2 h 06 min 53 s
